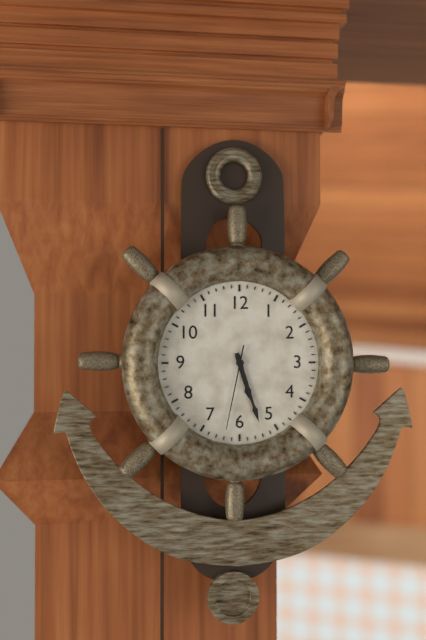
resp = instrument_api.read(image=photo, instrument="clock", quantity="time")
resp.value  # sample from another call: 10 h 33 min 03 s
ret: 5 h 27 min 32 s
